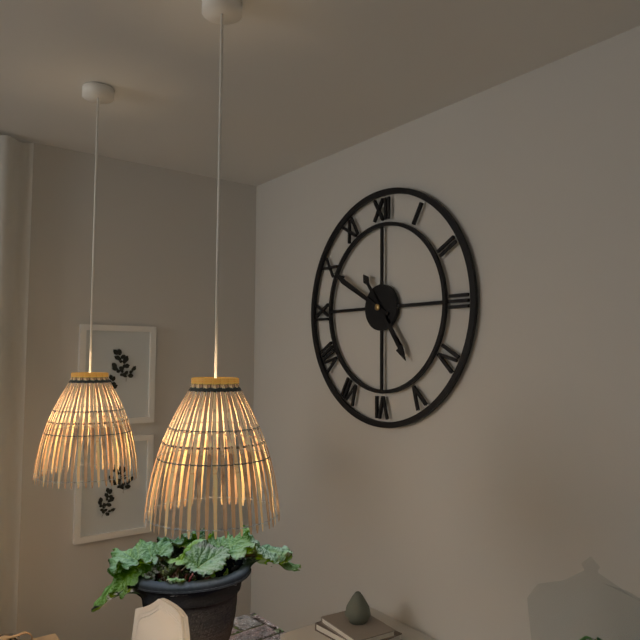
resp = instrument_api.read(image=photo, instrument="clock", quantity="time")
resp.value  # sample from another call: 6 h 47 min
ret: 4 h 50 min
